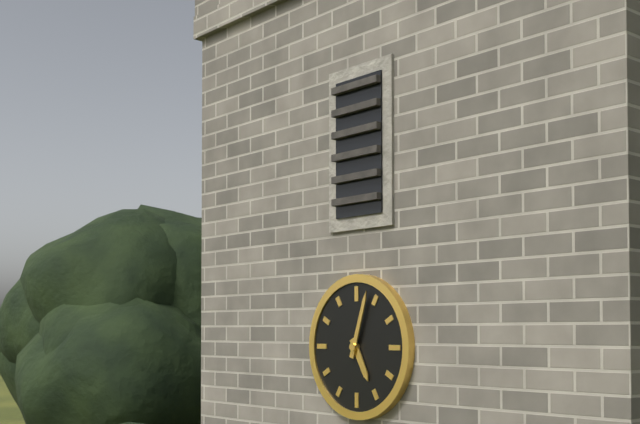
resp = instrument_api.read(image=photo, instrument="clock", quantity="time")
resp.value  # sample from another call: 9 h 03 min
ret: 5 h 03 min
